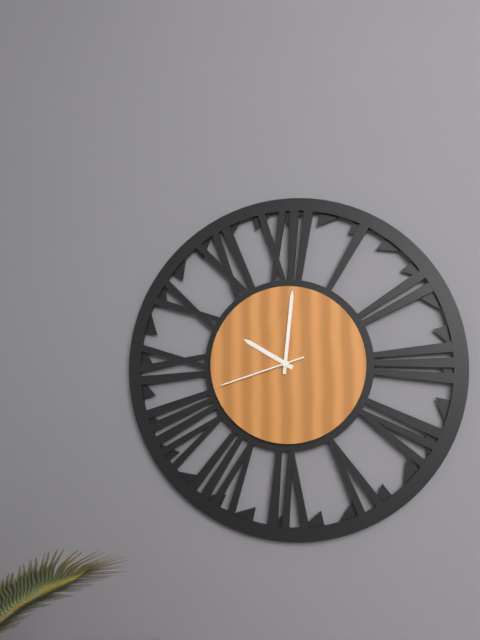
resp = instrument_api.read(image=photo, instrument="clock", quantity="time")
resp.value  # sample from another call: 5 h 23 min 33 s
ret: 10 h 01 min 42 s
